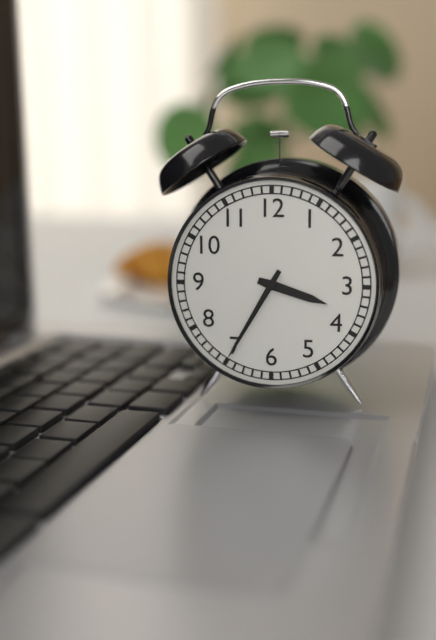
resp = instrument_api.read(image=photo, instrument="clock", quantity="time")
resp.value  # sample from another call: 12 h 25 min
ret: 3 h 35 min
